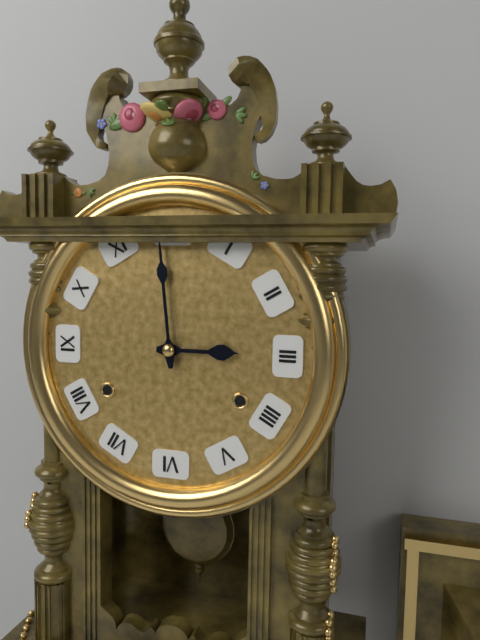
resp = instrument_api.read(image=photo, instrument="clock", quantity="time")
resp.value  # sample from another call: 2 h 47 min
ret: 2 h 59 min
